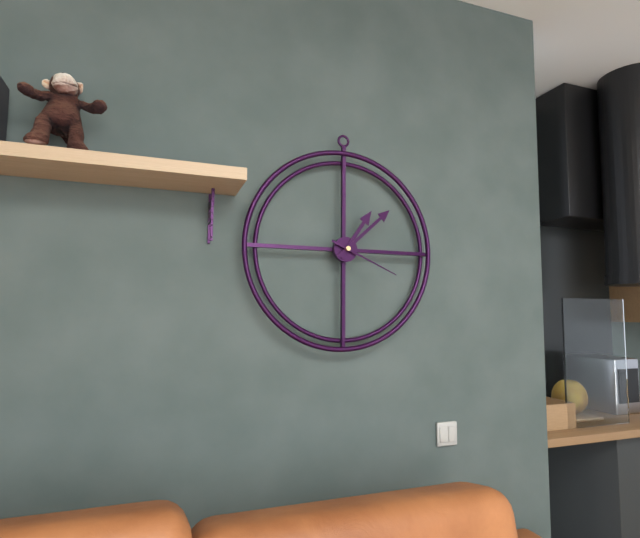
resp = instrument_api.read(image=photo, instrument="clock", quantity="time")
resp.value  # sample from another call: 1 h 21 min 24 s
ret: 1 h 08 min 19 s
